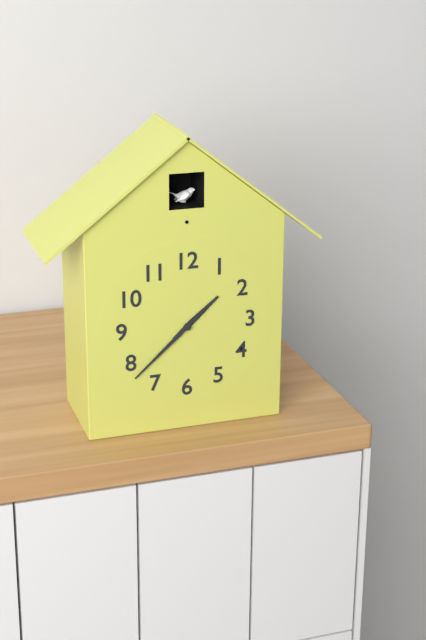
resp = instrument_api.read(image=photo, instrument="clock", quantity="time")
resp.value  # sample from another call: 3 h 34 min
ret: 1 h 38 min
